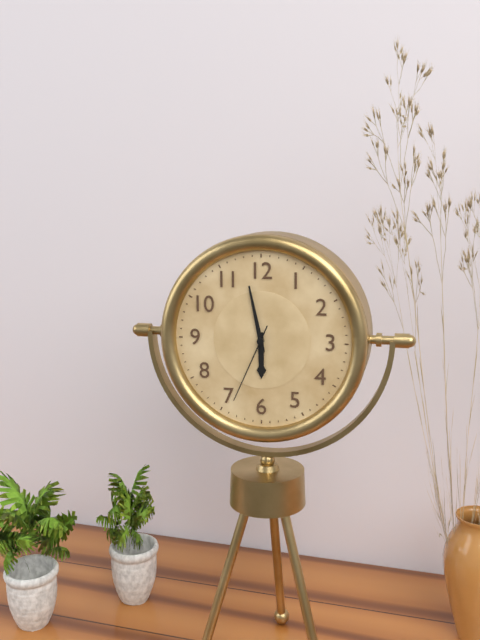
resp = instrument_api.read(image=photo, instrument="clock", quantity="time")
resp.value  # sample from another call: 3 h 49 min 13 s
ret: 5 h 58 min 34 s
